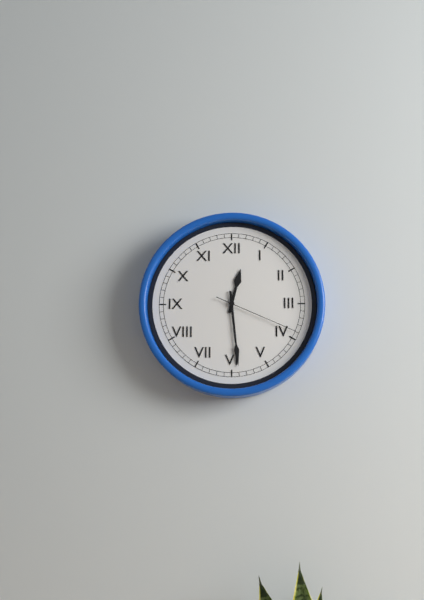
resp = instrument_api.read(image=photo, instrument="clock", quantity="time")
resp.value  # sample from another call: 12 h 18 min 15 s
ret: 12 h 29 min 19 s
